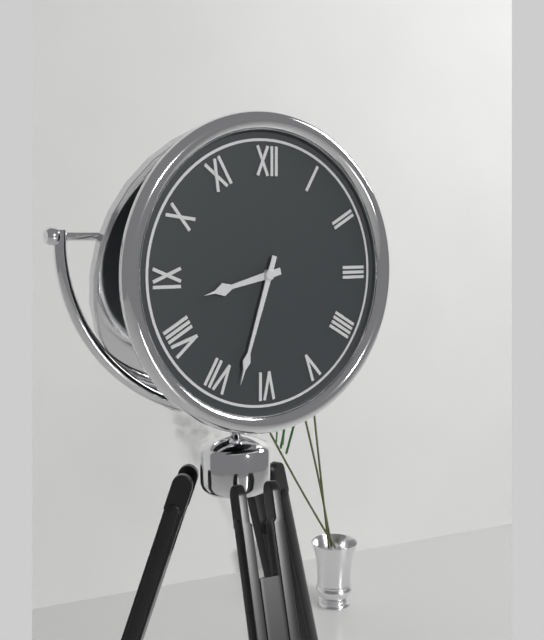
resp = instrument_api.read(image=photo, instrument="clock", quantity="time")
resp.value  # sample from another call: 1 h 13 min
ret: 8 h 33 min
